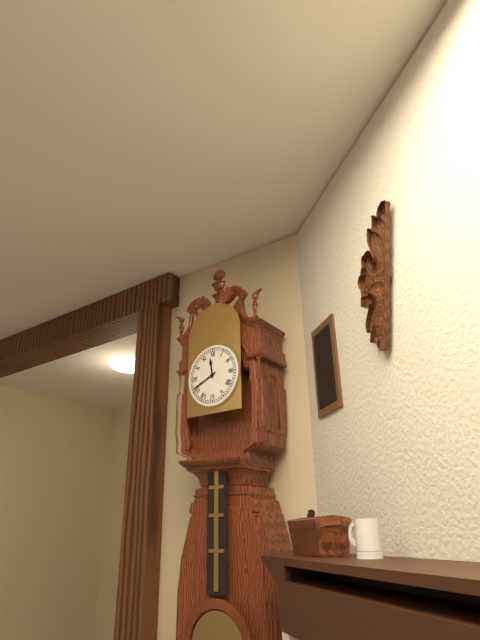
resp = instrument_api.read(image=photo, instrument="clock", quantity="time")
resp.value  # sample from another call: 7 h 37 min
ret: 11 h 41 min
